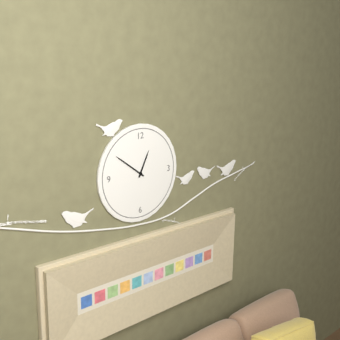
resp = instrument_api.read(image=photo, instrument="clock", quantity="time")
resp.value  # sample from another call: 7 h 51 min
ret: 12 h 51 min
